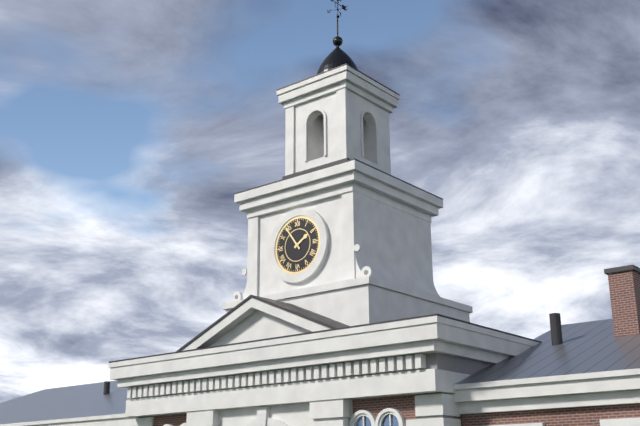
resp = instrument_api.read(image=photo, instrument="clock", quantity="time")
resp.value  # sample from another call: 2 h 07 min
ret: 1 h 54 min
